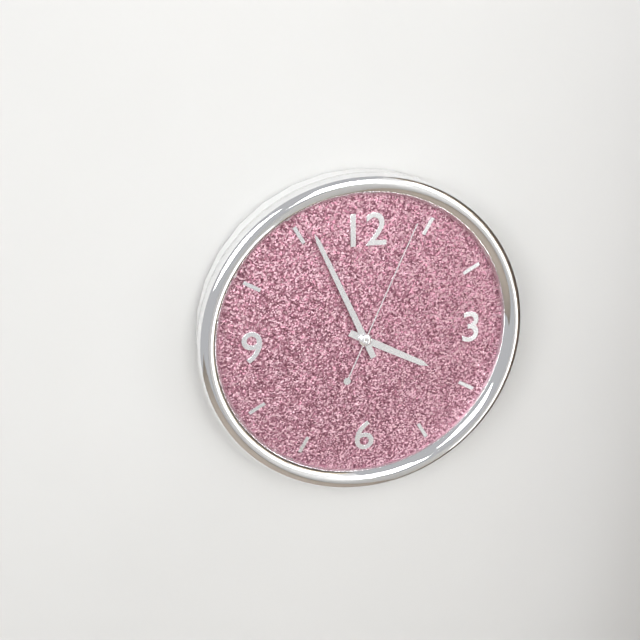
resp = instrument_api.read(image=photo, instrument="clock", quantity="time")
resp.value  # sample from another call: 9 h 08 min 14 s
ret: 3 h 56 min 04 s
